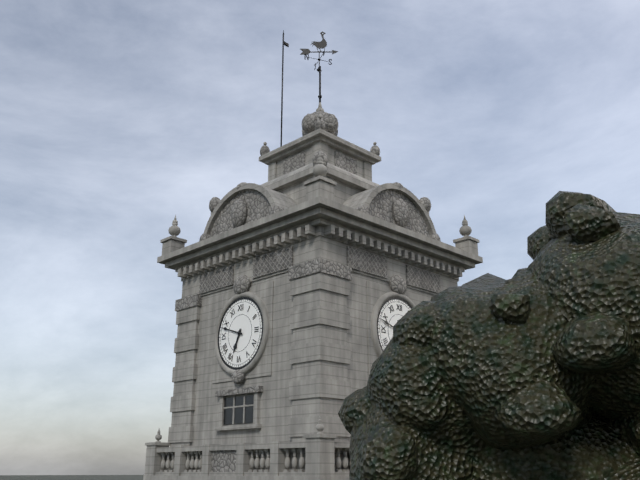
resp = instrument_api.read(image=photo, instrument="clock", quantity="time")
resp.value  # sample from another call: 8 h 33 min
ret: 6 h 48 min
